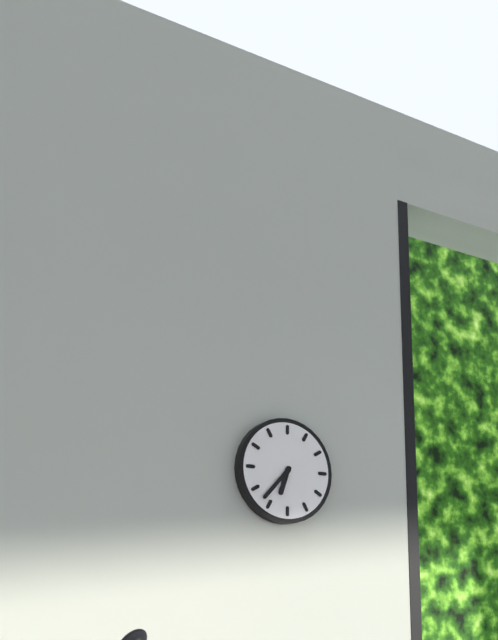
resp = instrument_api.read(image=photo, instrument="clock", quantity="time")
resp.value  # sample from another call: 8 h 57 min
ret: 6 h 37 min
